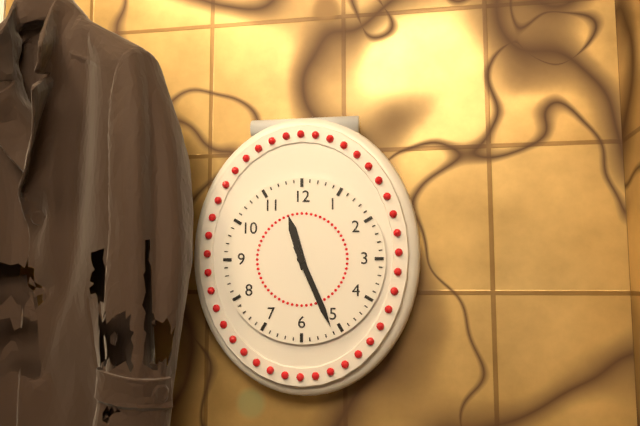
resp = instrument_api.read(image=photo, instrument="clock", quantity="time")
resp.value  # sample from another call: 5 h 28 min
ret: 11 h 26 min
